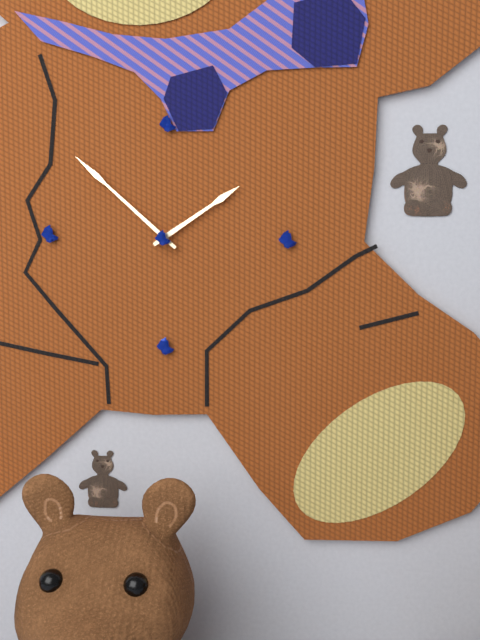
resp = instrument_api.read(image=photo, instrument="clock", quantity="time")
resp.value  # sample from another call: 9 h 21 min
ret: 1 h 52 min
